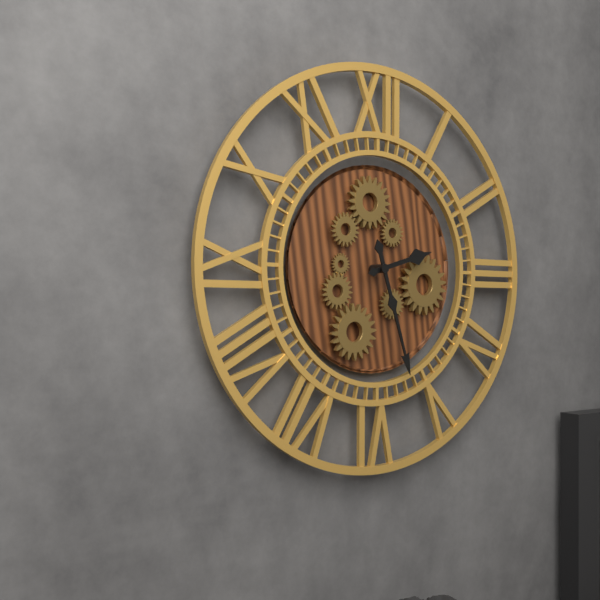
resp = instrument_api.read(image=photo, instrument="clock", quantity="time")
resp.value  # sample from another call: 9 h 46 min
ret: 2 h 27 min
